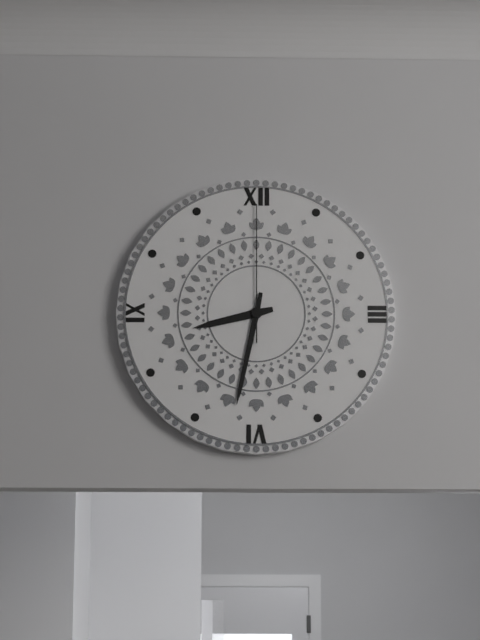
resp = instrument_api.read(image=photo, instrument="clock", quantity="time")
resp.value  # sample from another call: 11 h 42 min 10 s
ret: 8 h 32 min 00 s
